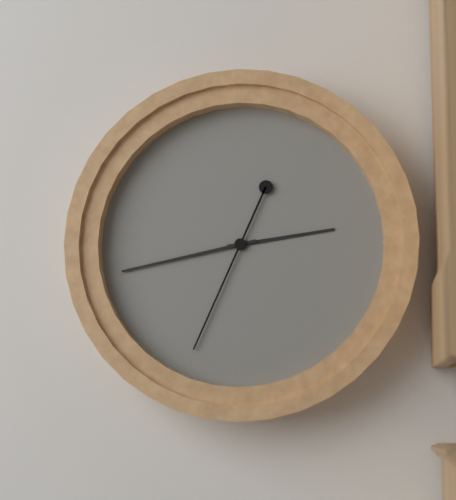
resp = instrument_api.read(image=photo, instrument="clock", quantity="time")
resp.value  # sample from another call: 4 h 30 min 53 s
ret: 2 h 43 min 34 s
